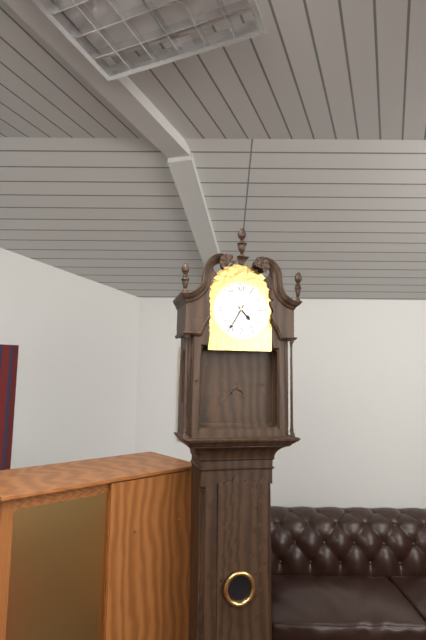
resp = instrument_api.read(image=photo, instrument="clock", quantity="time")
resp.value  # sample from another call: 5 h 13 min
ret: 4 h 35 min
